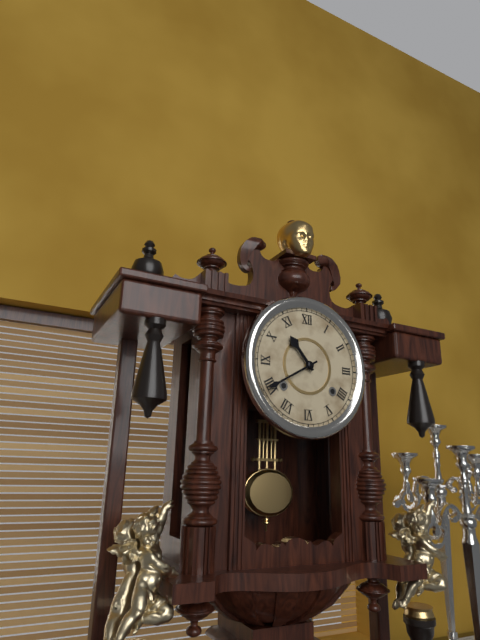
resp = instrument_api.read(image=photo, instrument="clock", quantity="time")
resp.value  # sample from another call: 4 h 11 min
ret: 10 h 40 min
